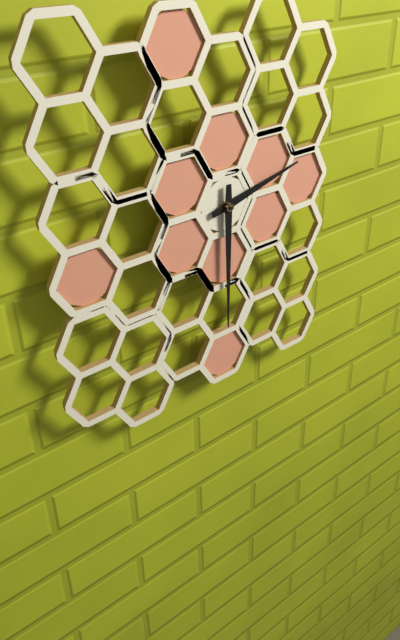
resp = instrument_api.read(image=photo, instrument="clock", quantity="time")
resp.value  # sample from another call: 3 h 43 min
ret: 2 h 30 min
